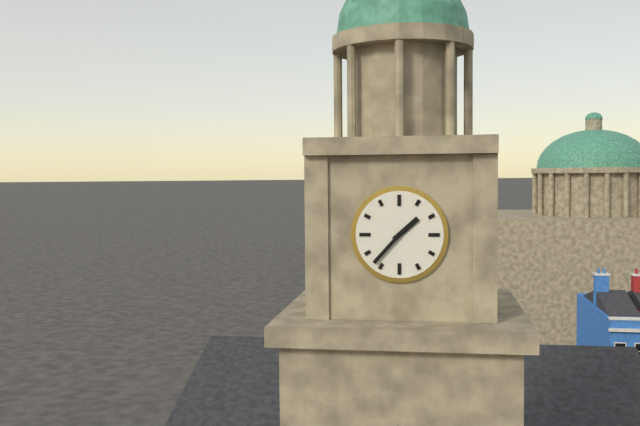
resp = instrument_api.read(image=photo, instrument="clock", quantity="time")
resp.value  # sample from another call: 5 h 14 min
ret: 1 h 37 min
